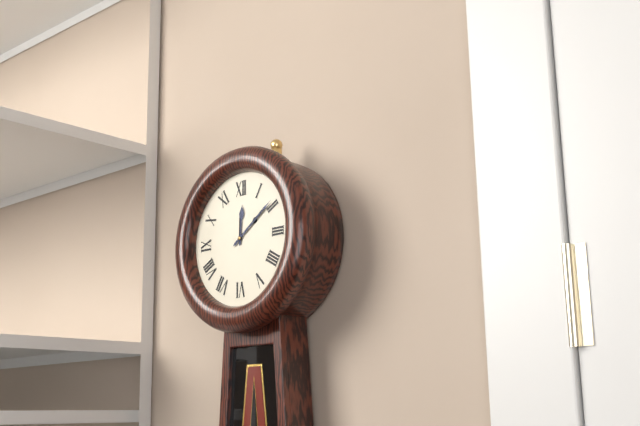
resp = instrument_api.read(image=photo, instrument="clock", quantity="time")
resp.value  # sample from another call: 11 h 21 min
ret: 12 h 09 min
